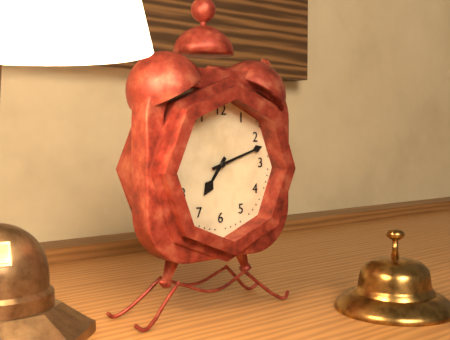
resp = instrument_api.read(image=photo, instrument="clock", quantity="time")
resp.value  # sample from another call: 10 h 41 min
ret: 7 h 12 min
